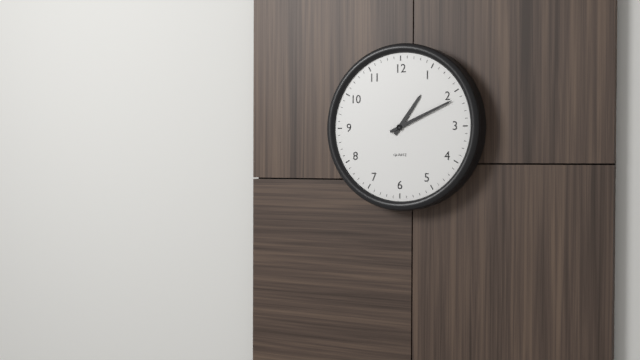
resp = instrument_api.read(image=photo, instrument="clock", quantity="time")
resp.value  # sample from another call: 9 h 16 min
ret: 1 h 11 min
